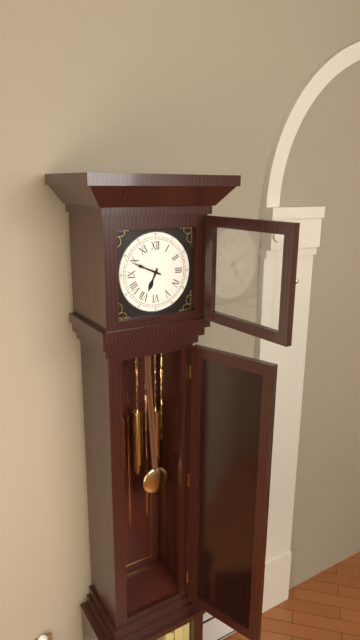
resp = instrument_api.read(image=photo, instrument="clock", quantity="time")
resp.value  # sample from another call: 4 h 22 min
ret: 6 h 49 min
